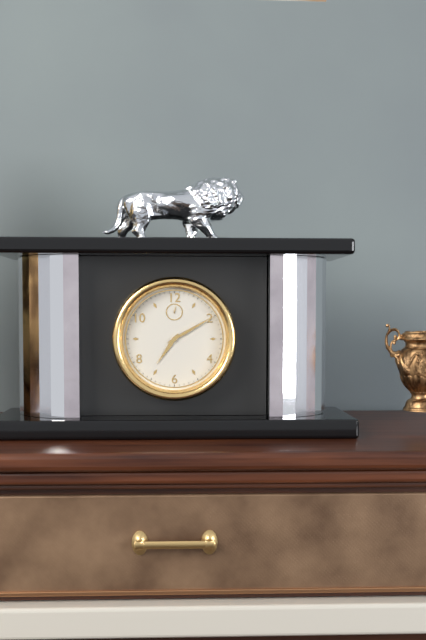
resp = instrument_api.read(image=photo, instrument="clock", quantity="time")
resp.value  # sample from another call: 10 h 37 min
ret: 7 h 10 min
